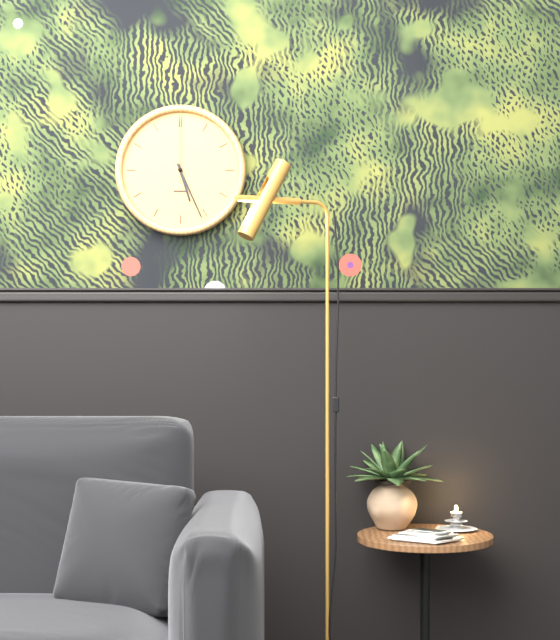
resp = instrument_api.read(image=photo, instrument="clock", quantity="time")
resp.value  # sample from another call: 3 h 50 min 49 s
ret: 5 h 26 min 00 s
